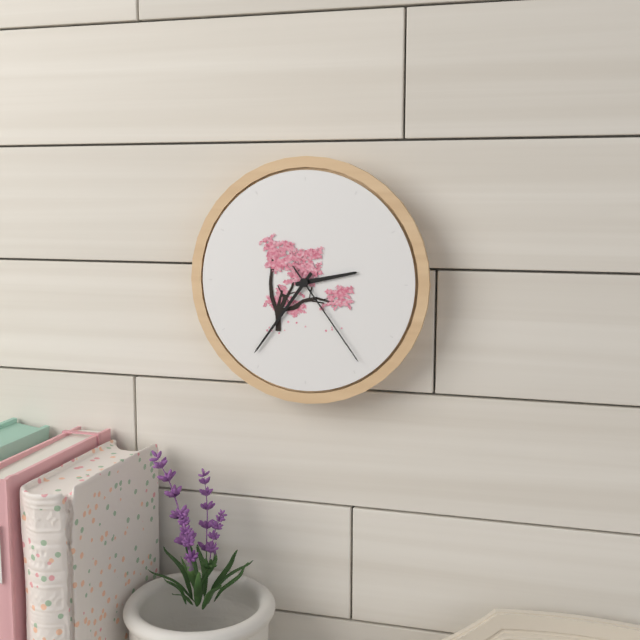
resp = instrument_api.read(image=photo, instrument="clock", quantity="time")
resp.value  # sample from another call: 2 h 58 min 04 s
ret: 2 h 36 min 24 s
